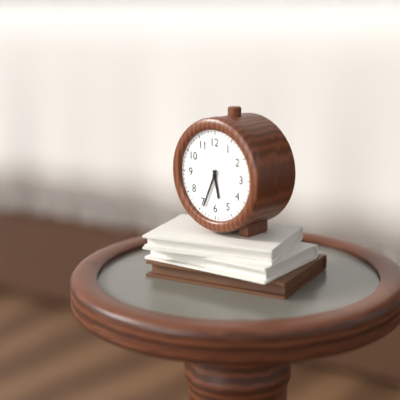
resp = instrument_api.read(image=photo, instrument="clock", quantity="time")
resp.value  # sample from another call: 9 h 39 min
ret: 5 h 34 min
